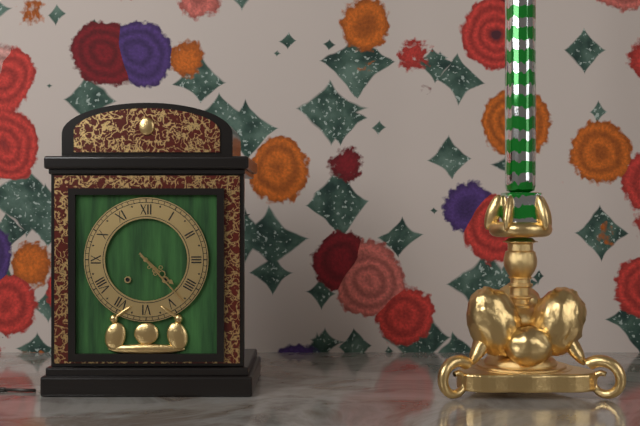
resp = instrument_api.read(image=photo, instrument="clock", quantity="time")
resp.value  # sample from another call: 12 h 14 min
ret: 4 h 23 min
